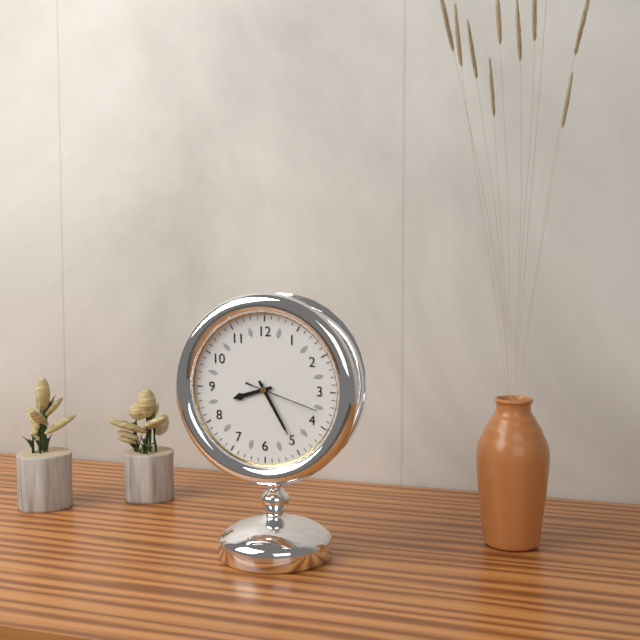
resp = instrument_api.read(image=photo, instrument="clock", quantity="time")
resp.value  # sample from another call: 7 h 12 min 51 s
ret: 8 h 25 min 18 s
